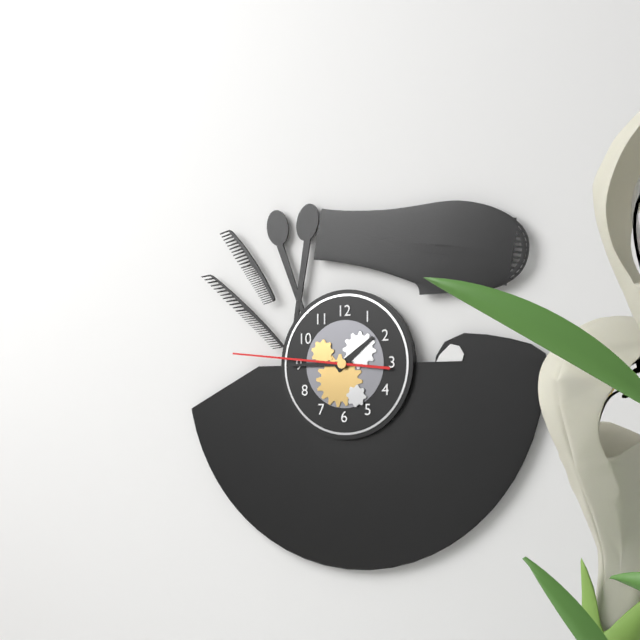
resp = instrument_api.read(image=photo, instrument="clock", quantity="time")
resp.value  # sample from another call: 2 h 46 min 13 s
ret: 1 h 45 min 46 s
